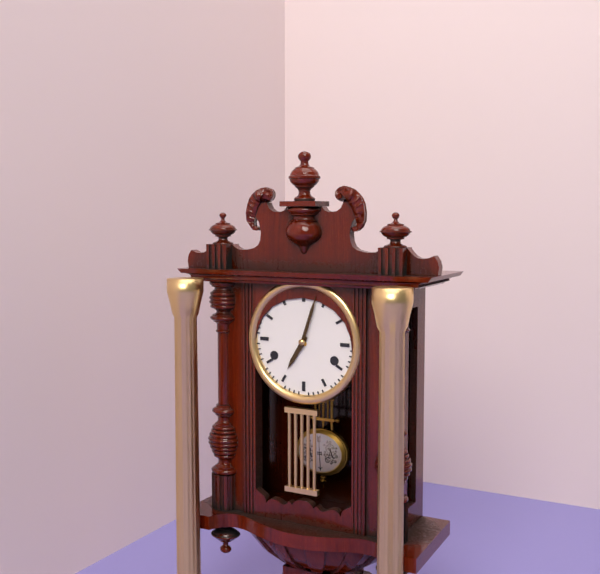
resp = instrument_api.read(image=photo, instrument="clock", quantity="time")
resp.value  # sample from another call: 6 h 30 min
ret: 7 h 03 min
